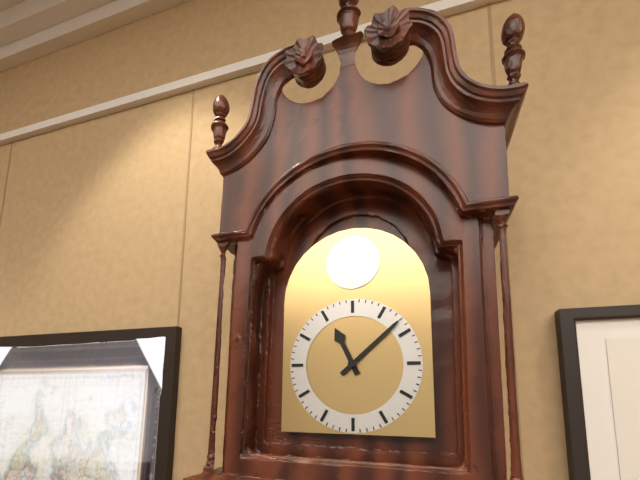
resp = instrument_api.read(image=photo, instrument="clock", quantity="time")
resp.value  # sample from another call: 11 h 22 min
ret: 11 h 08 min
